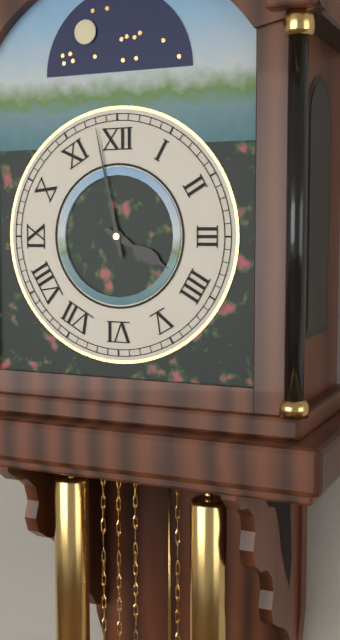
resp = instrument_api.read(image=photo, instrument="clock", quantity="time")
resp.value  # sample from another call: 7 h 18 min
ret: 3 h 58 min
